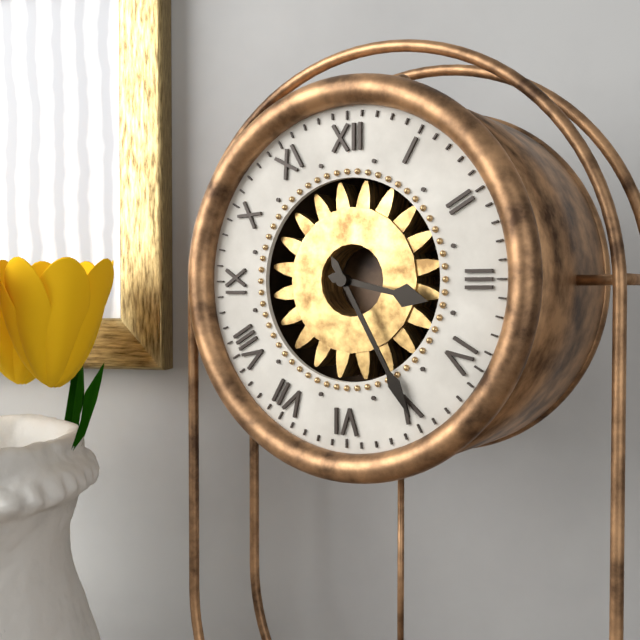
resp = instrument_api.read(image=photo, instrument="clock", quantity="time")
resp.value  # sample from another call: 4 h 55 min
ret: 3 h 25 min
